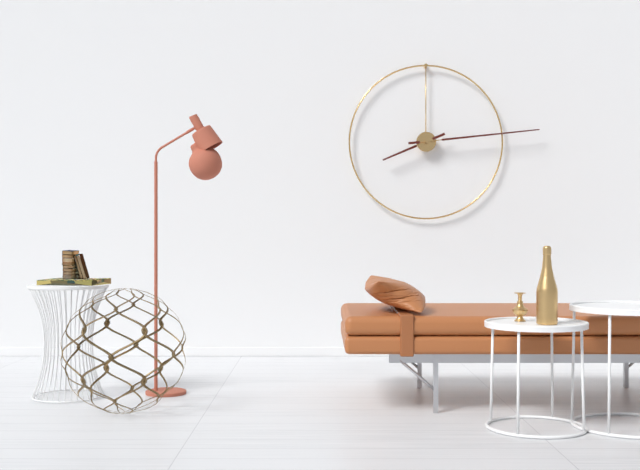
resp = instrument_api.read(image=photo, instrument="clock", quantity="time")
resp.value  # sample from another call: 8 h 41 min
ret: 8 h 14 min
